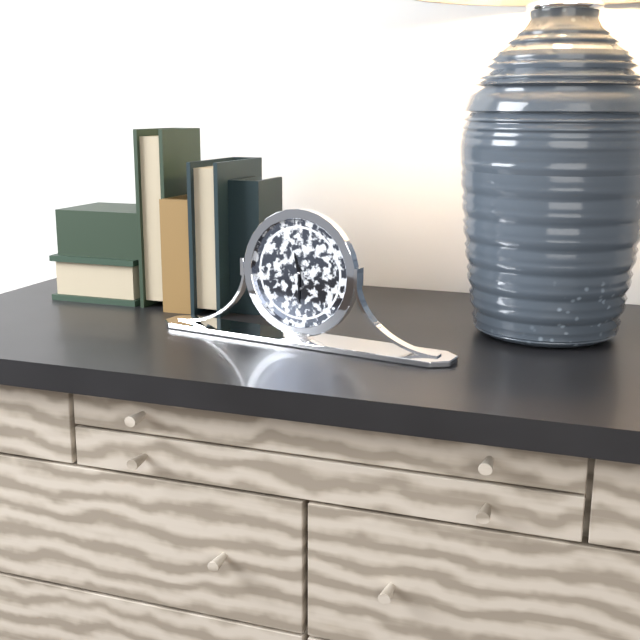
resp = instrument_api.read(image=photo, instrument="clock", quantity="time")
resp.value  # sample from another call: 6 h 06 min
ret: 11 h 30 min
